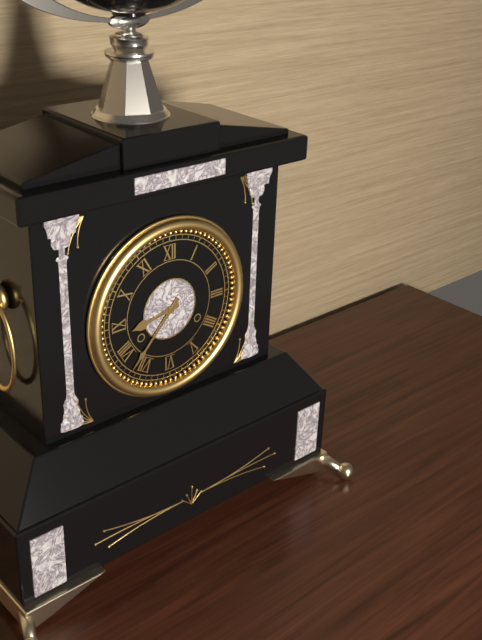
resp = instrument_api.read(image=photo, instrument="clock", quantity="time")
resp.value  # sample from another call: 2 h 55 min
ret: 8 h 37 min
